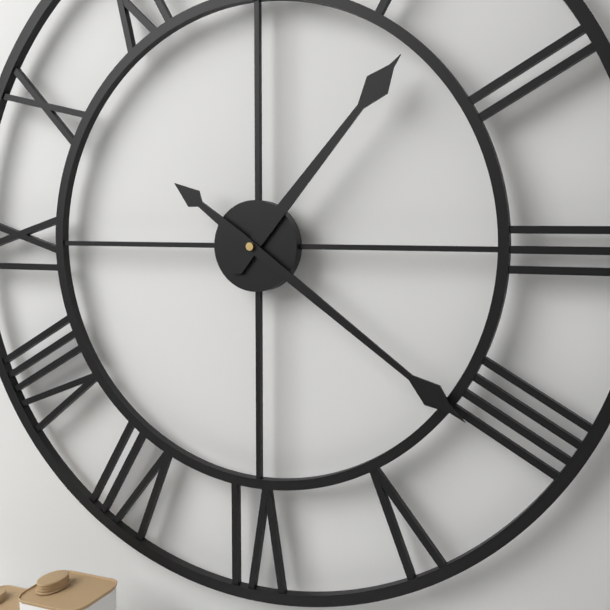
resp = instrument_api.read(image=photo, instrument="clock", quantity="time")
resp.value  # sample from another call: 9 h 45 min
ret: 1 h 21 min
